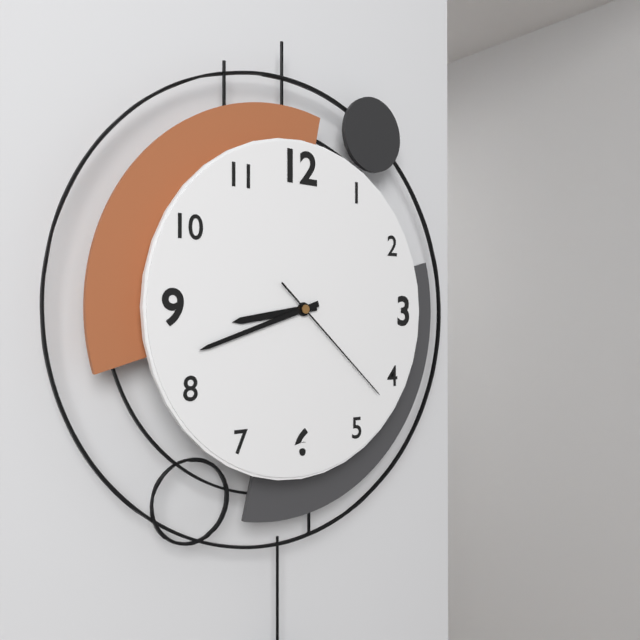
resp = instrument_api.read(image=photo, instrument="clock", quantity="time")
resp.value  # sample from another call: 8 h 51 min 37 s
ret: 8 h 42 min 22 s
